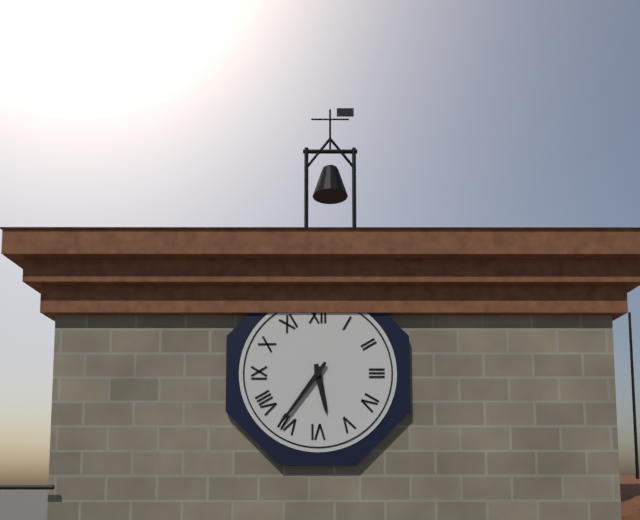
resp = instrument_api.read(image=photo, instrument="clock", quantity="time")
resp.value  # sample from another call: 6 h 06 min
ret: 5 h 36 min
